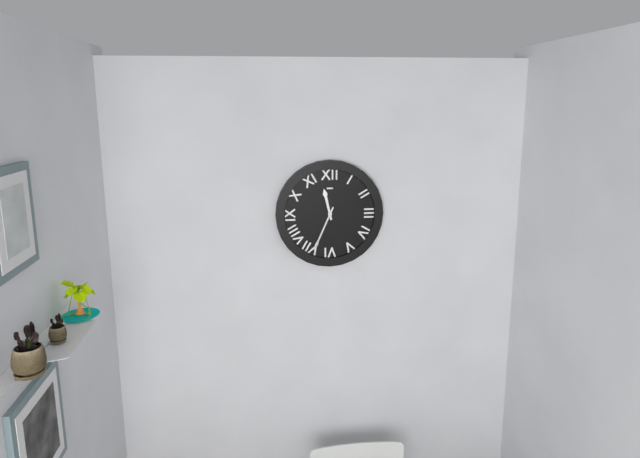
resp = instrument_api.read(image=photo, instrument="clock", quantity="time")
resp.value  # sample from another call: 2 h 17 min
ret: 11 h 34 min
